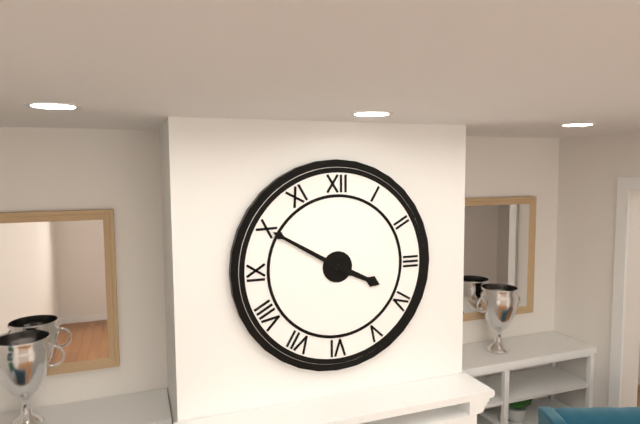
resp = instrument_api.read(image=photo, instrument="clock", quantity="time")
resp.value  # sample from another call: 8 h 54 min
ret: 3 h 50 min
